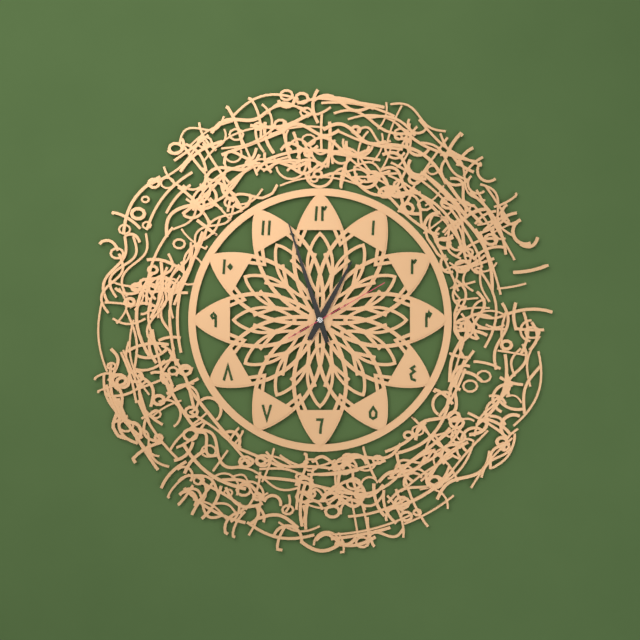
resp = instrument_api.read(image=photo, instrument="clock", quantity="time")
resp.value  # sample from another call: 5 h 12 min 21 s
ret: 12 h 57 min 10 s
